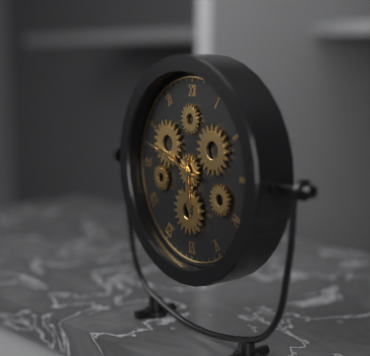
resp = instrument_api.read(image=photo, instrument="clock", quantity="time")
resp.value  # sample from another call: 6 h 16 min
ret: 5 h 48 min
